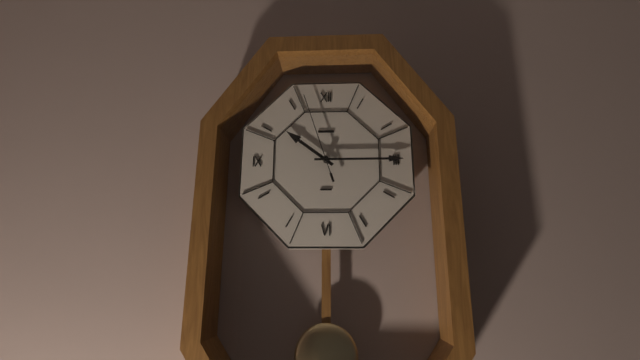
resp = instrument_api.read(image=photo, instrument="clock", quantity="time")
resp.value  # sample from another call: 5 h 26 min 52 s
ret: 10 h 15 min 57 s
